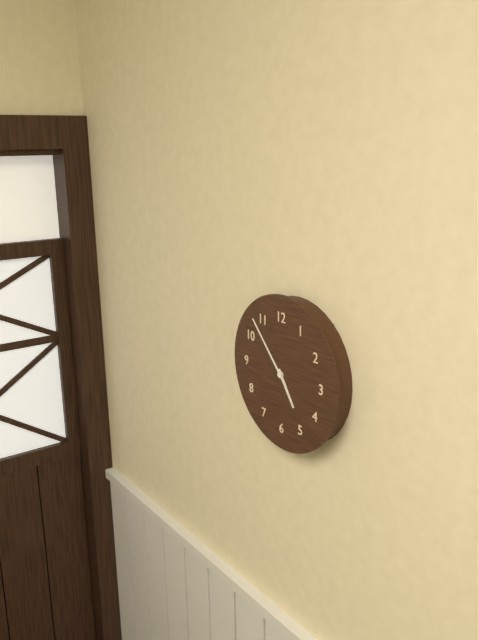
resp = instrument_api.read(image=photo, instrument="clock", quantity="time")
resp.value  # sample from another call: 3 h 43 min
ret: 4 h 53 min
